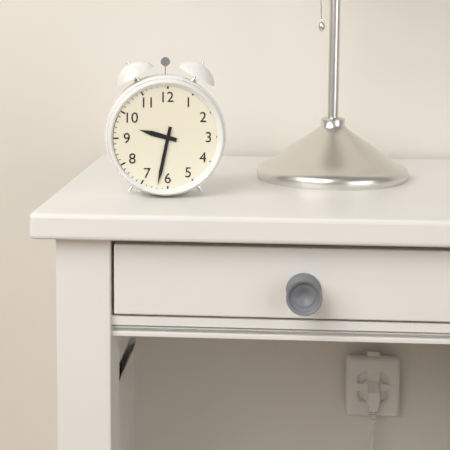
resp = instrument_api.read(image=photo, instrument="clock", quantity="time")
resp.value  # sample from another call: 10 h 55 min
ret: 9 h 32 min
